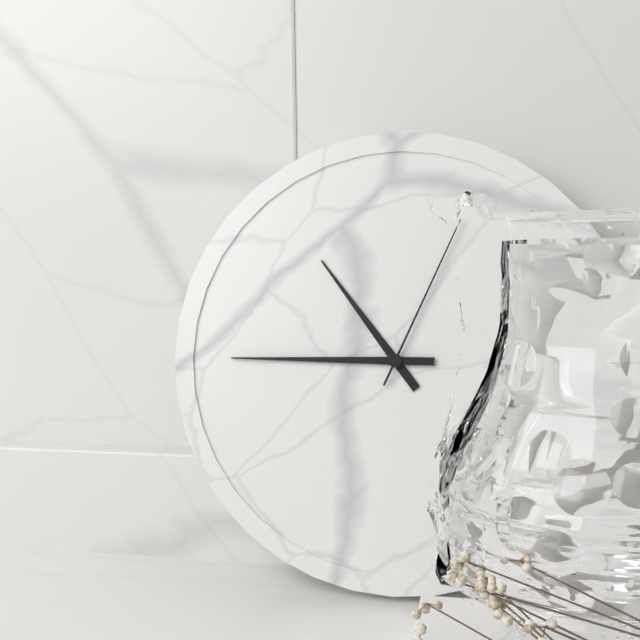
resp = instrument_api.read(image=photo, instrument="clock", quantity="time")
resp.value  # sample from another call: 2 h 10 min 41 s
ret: 10 h 45 min 04 s
